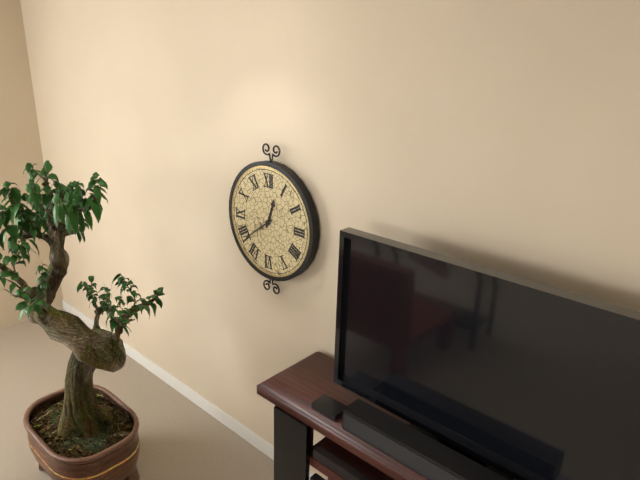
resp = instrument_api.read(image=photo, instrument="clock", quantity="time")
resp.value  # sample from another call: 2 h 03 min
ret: 12 h 39 min
